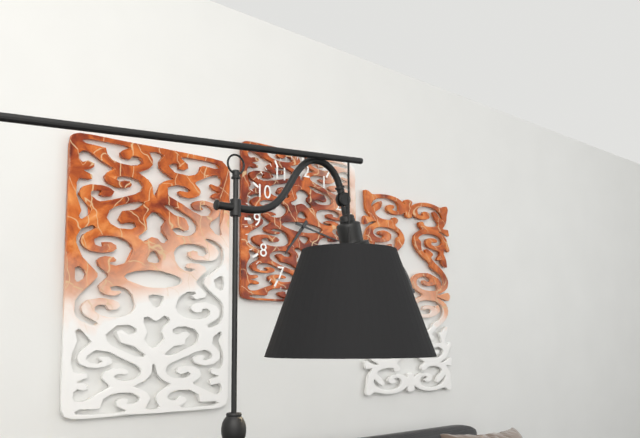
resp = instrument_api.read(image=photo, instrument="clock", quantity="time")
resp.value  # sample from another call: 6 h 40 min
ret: 7 h 17 min
